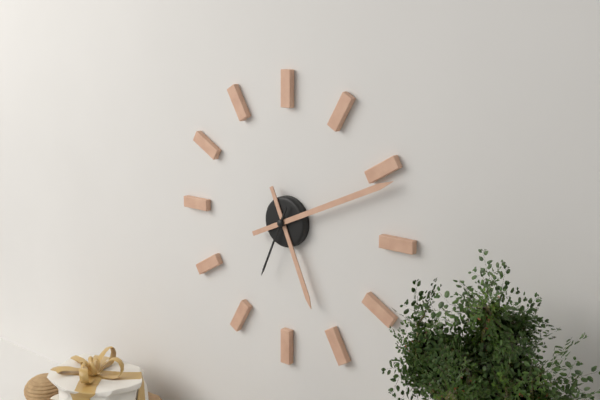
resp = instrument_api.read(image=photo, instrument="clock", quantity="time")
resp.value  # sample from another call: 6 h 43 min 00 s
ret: 5 h 11 min 34 s
